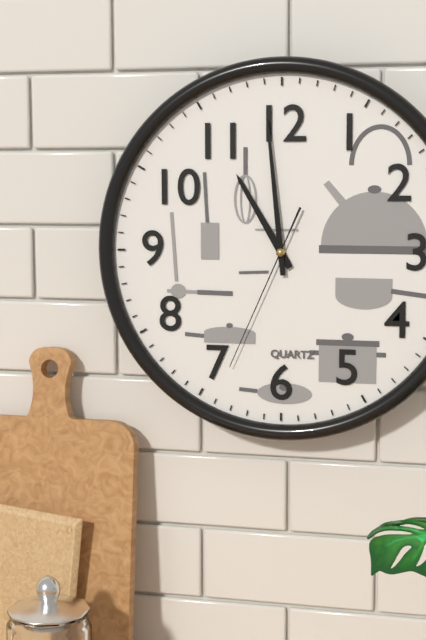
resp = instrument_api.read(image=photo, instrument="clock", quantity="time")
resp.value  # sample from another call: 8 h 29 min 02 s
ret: 10 h 59 min 34 s
